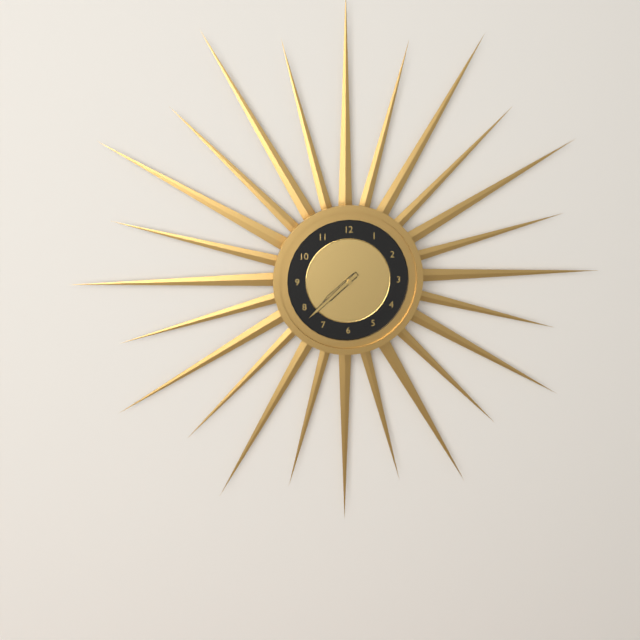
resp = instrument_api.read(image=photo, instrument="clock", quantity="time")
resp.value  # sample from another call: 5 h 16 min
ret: 7 h 38 min
